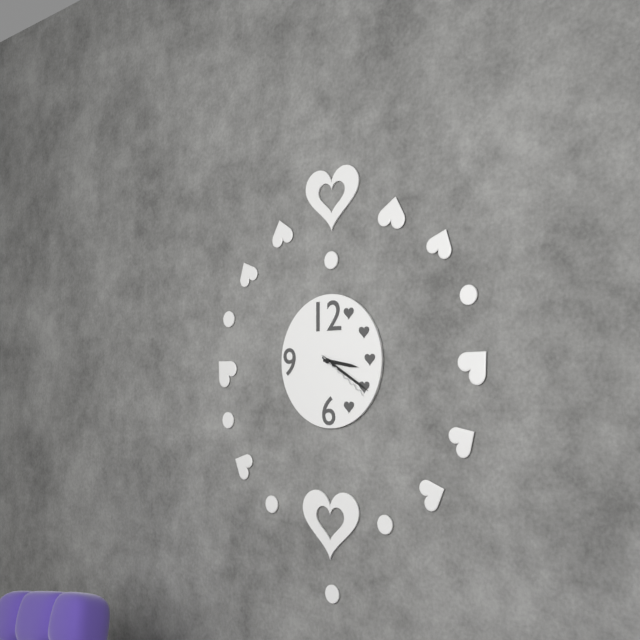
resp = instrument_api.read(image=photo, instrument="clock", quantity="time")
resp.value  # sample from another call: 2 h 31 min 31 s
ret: 3 h 20 min 21 s
